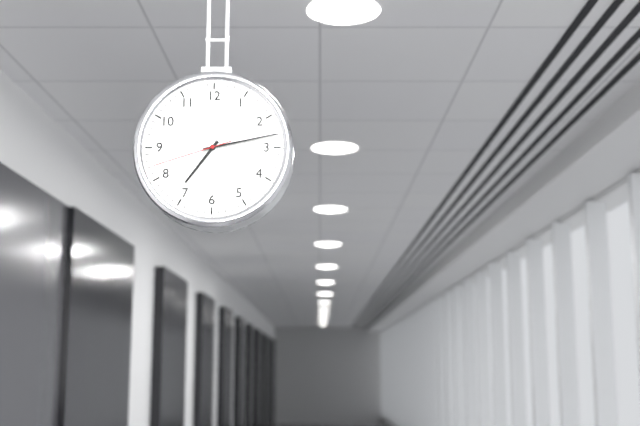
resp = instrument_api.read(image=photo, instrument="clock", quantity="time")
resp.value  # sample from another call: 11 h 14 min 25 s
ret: 7 h 13 min 42 s
